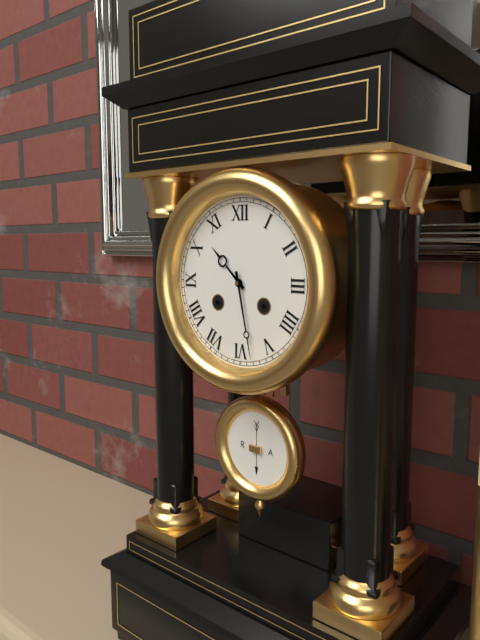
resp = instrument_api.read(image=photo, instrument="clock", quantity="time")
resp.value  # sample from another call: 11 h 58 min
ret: 10 h 28 min
